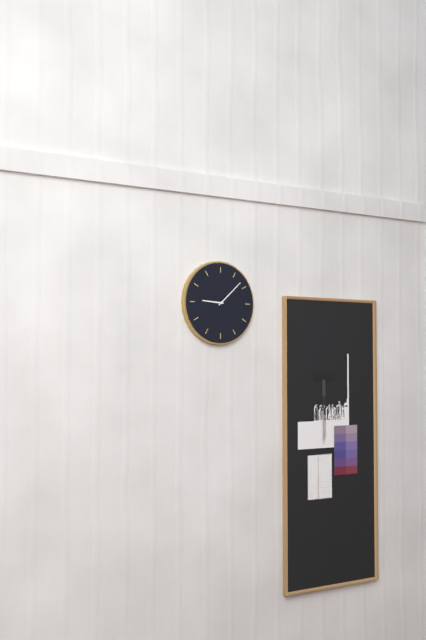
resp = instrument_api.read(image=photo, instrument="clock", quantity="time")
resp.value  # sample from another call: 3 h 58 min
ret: 9 h 08 min
